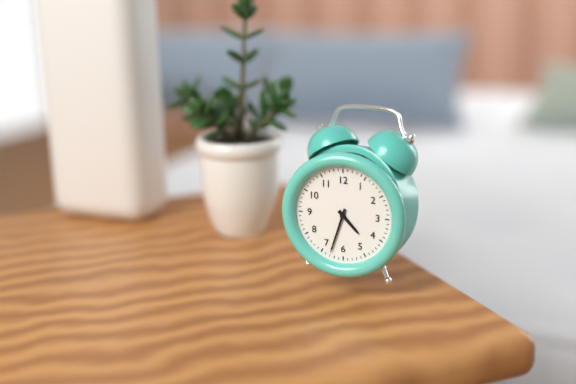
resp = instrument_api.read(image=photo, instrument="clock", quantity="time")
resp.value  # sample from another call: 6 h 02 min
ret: 4 h 33 min
